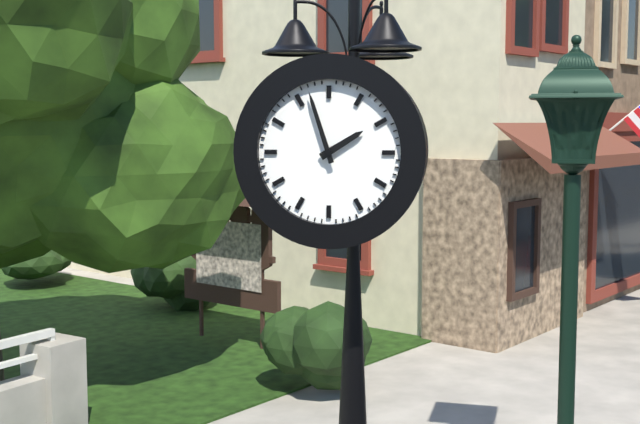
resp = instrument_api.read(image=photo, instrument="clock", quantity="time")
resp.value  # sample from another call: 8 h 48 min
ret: 1 h 57 min
